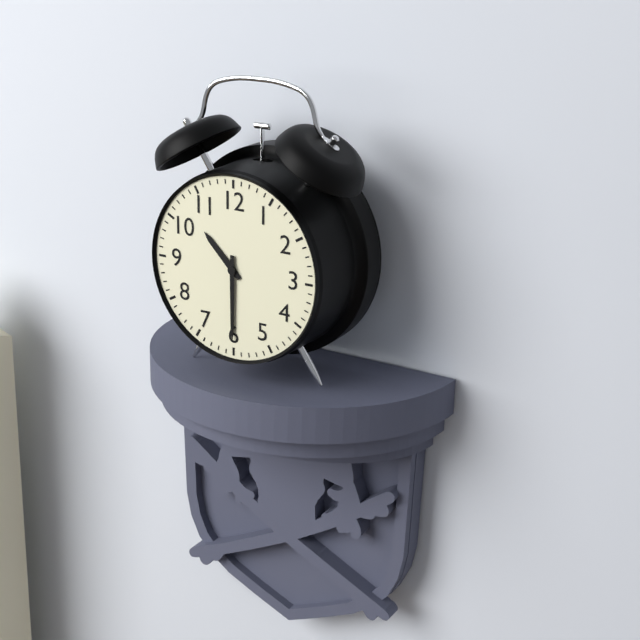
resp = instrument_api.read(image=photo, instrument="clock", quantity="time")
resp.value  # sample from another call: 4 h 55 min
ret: 10 h 30 min
